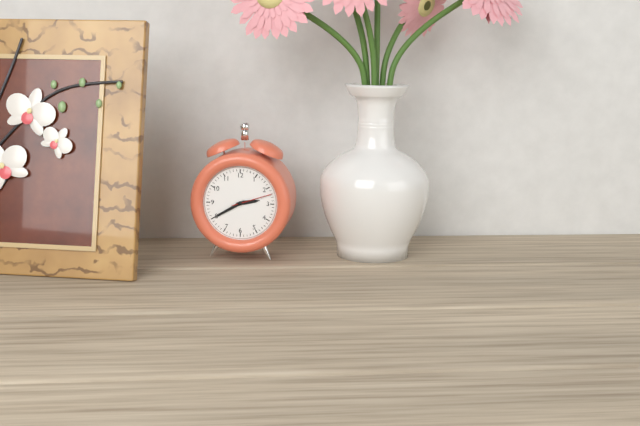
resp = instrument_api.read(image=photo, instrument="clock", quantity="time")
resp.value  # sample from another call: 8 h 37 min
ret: 2 h 40 min
